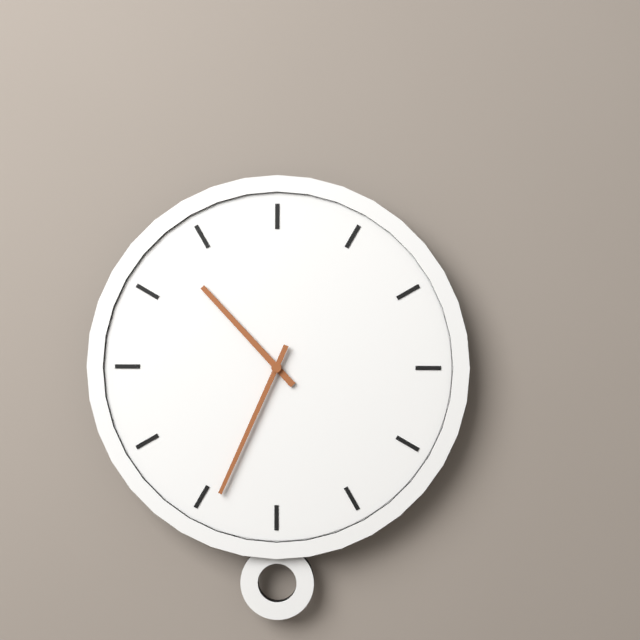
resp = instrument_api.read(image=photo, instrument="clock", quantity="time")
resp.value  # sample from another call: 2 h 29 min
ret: 10 h 34 min
